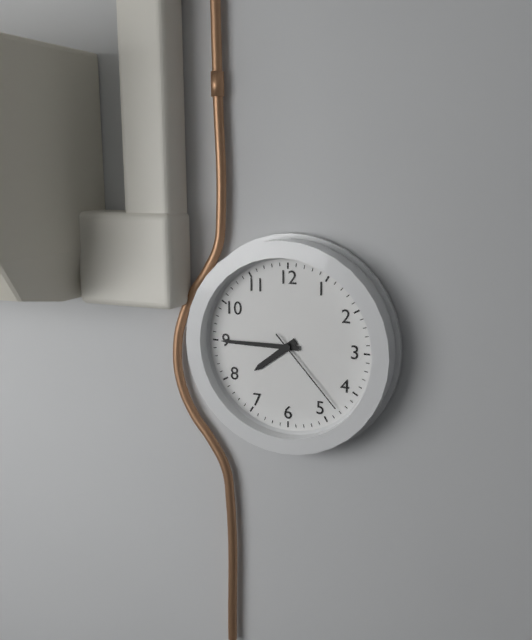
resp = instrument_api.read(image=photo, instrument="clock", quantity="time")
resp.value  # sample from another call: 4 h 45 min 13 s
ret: 7 h 45 min 23 s
